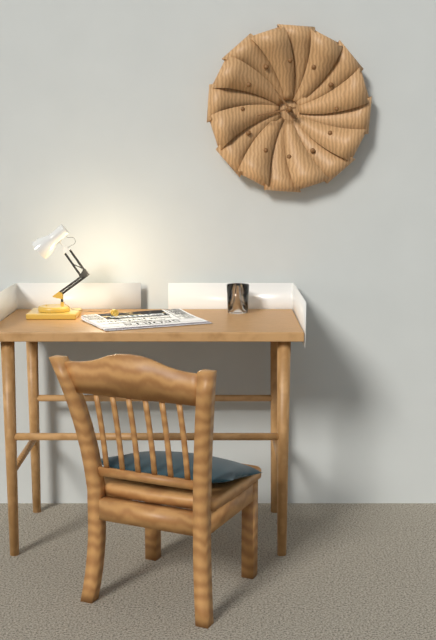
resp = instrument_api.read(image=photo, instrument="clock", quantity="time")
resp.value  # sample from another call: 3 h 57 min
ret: 10 h 43 min
